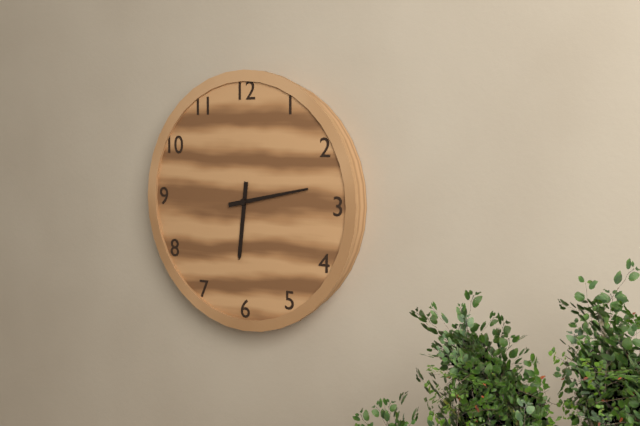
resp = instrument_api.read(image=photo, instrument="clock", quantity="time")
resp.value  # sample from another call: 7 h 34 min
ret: 6 h 13 min
